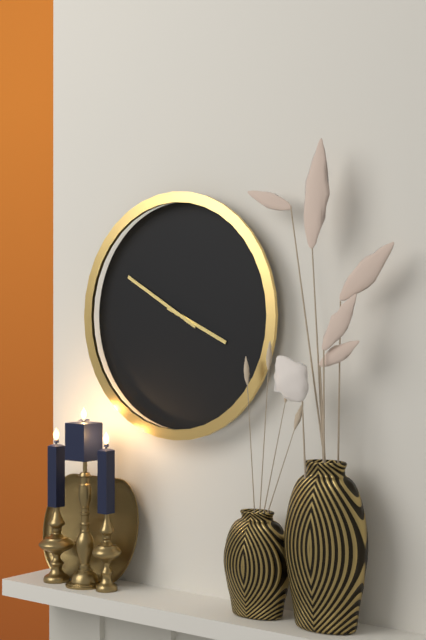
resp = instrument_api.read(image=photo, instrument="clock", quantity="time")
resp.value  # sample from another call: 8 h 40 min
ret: 3 h 50 min
